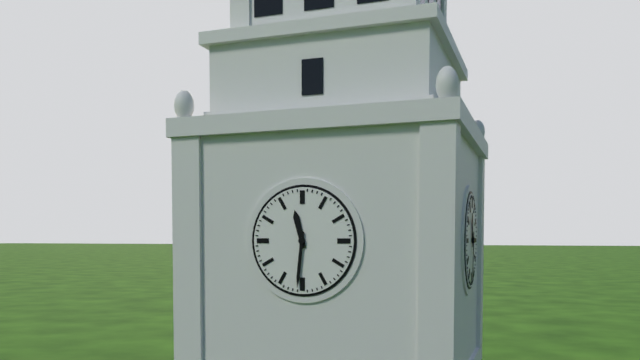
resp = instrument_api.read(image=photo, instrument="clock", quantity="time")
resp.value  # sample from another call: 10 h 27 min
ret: 11 h 31 min
